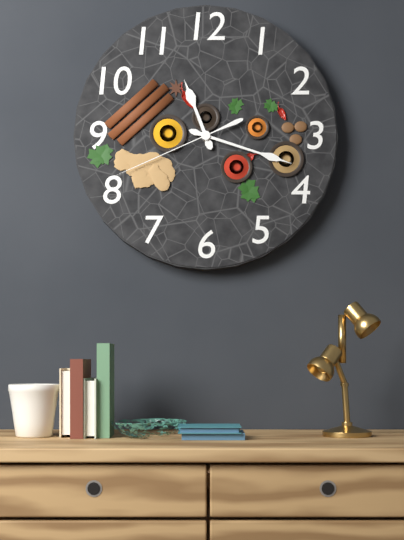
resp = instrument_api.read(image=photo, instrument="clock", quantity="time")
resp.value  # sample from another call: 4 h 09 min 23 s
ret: 11 h 18 min 41 s
